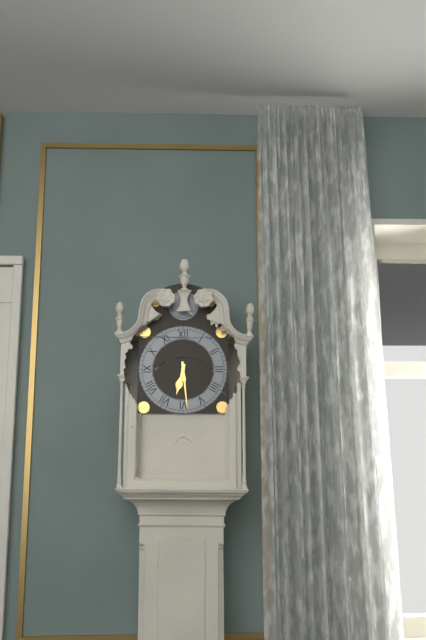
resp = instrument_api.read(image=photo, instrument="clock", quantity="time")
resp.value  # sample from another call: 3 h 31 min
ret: 6 h 29 min
